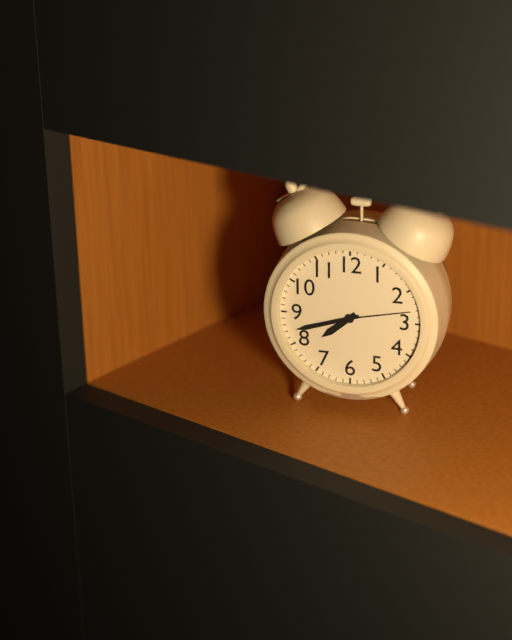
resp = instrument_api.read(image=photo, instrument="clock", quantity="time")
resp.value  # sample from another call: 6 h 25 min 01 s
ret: 7 h 42 min 13 s
